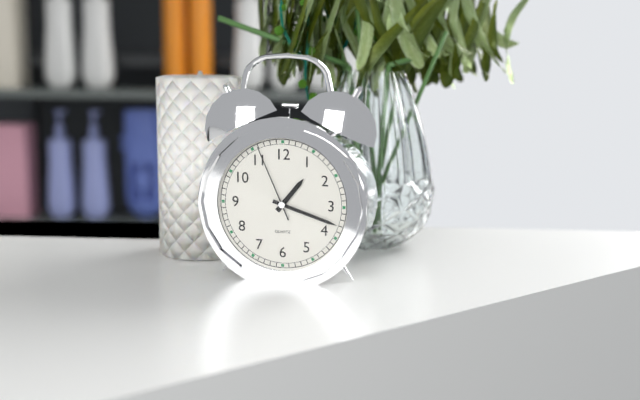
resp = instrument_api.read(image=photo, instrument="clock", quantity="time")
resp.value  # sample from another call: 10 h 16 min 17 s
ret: 1 h 18 min 56 s
